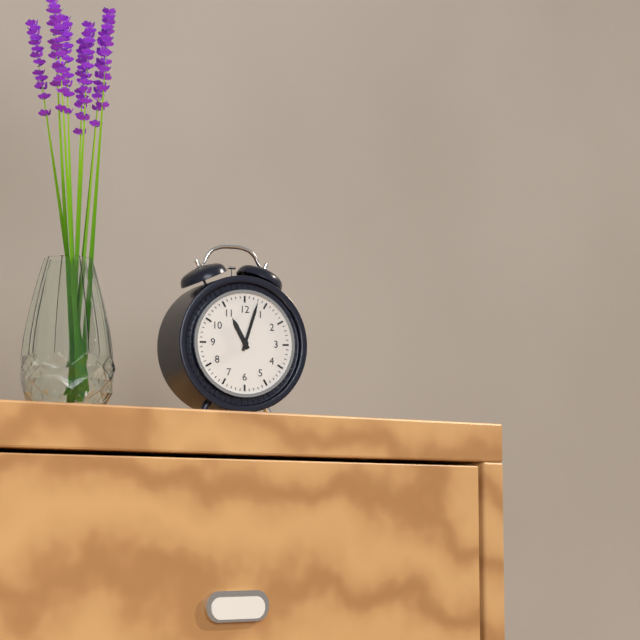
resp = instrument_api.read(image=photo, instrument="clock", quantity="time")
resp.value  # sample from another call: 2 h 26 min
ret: 11 h 03 min
